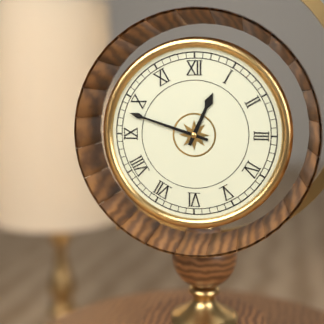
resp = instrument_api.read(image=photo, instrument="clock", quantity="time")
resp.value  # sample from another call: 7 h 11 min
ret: 12 h 48 min
